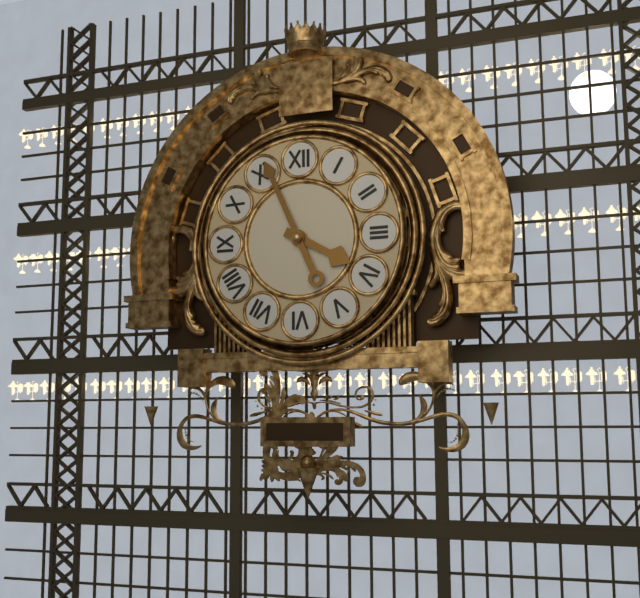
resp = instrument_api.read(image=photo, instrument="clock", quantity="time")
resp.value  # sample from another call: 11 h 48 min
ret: 3 h 56 min
